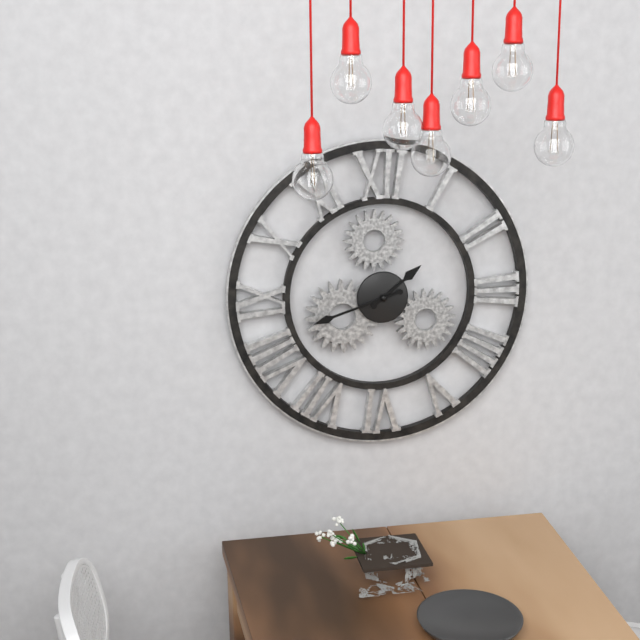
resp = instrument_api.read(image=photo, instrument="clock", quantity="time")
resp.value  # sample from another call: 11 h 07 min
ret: 1 h 42 min
